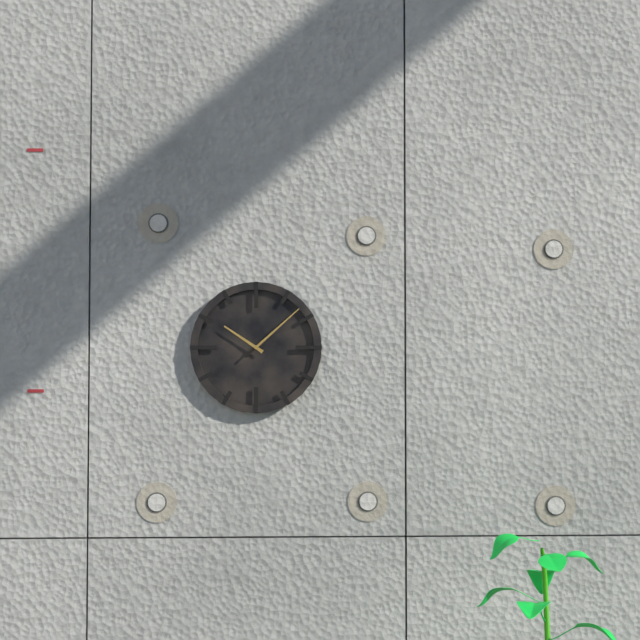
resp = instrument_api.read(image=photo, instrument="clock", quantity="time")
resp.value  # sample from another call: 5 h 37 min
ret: 10 h 08 min
